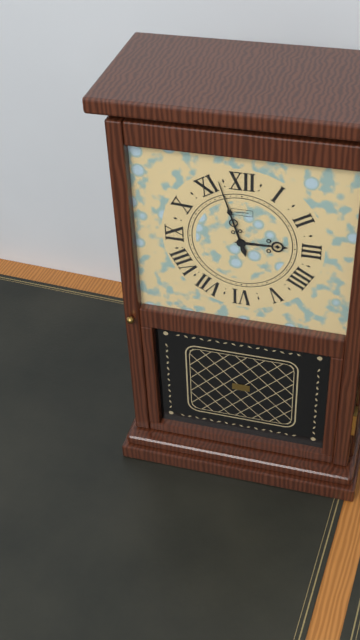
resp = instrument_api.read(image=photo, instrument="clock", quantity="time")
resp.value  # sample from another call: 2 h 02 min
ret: 2 h 57 min
